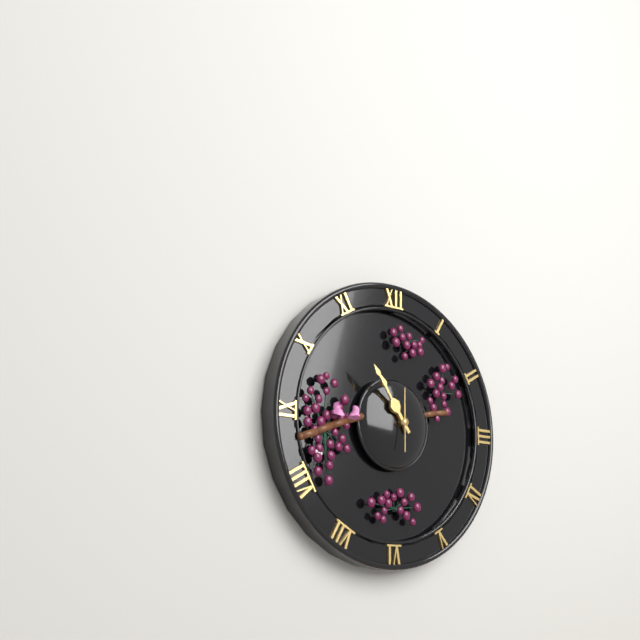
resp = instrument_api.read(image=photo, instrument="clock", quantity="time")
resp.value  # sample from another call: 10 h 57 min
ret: 10 h 54 min
